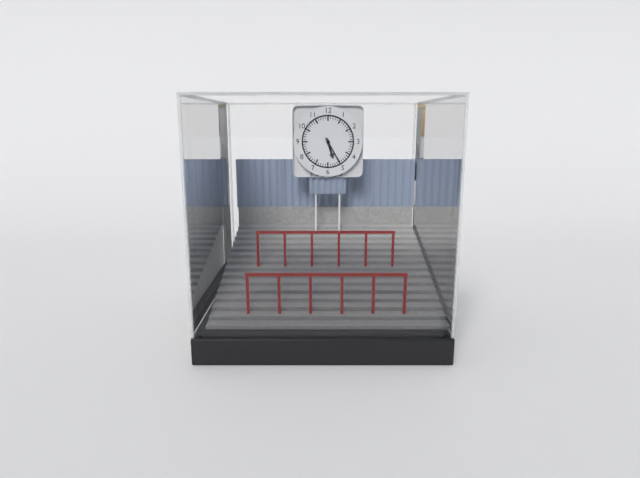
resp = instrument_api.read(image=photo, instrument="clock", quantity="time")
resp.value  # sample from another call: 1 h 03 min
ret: 5 h 25 min
